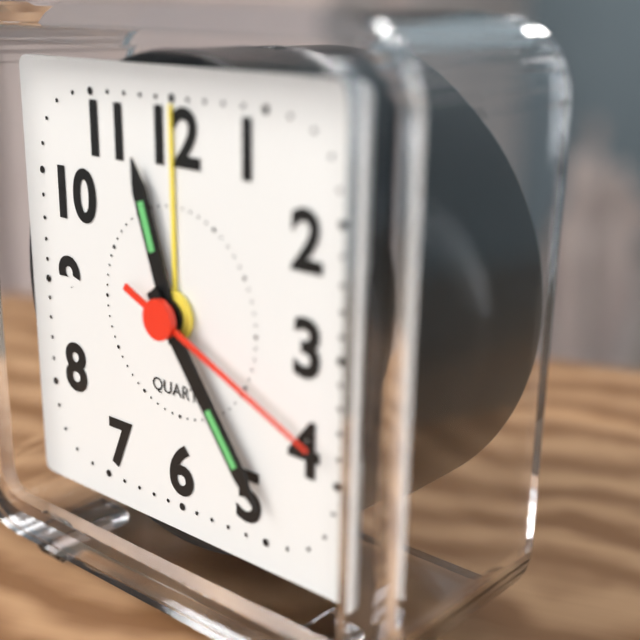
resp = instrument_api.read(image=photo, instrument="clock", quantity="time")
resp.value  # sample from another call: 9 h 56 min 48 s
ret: 11 h 24 min 19 s
